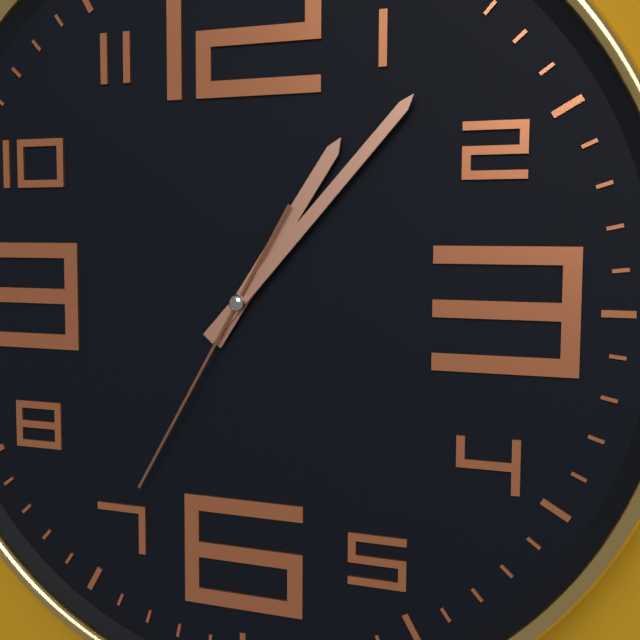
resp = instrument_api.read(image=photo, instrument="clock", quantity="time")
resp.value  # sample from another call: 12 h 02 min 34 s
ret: 1 h 07 min 35 s
